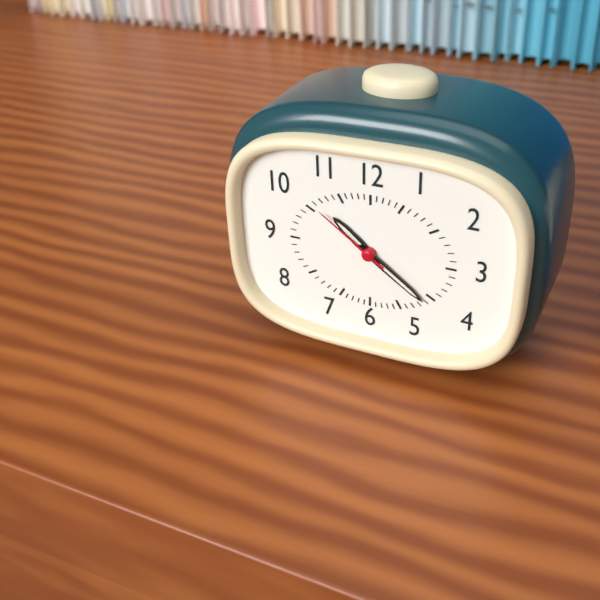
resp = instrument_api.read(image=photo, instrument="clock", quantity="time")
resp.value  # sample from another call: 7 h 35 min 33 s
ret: 10 h 21 min 51 s
